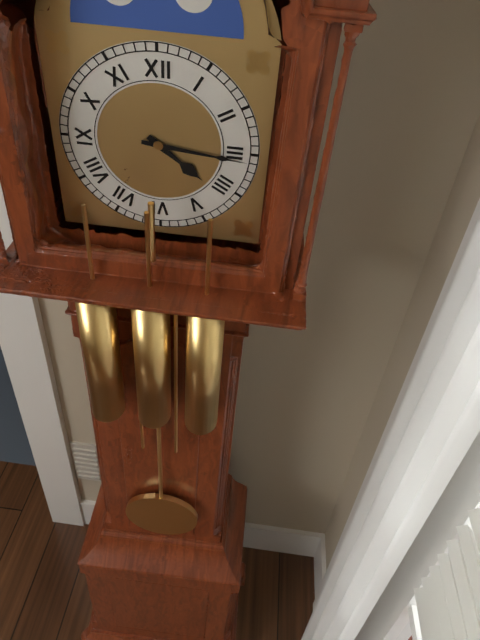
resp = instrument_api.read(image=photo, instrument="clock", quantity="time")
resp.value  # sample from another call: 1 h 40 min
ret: 4 h 16 min
